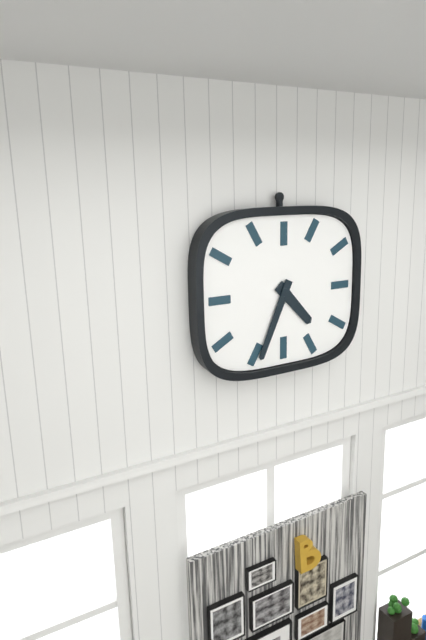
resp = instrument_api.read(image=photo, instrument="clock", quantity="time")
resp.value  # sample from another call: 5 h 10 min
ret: 4 h 34 min
